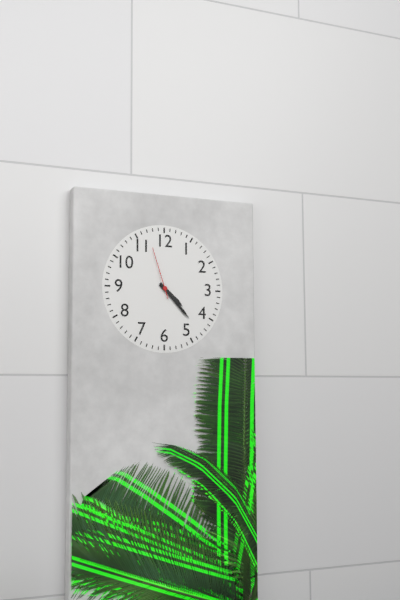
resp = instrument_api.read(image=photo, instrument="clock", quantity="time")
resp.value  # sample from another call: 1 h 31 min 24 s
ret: 4 h 23 min 57 s
